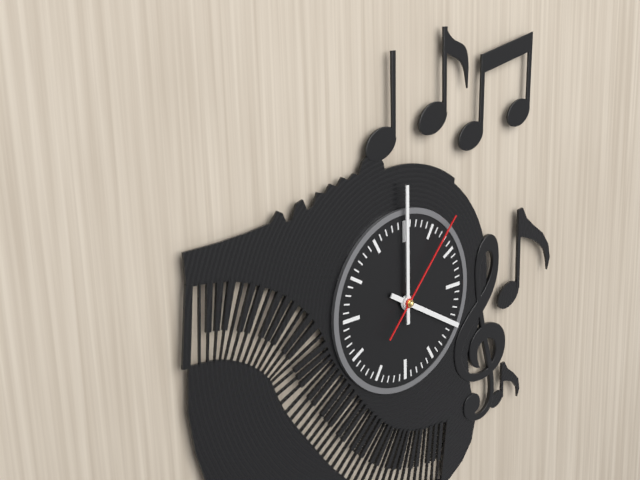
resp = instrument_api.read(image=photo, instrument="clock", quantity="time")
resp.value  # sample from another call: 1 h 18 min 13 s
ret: 4 h 00 min 07 s
